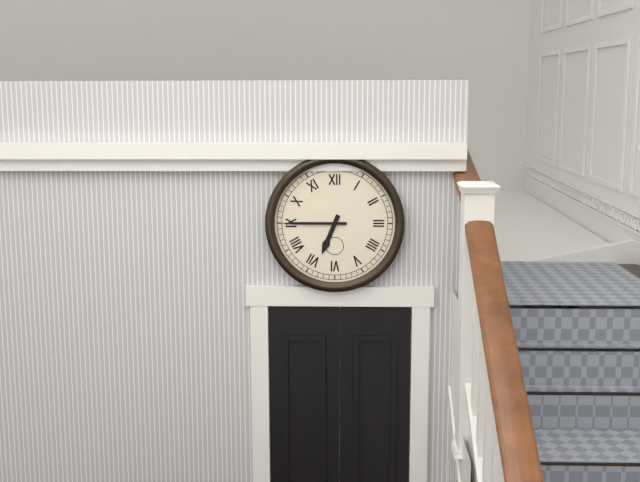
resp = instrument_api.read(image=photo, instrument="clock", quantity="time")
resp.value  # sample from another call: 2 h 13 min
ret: 6 h 45 min
